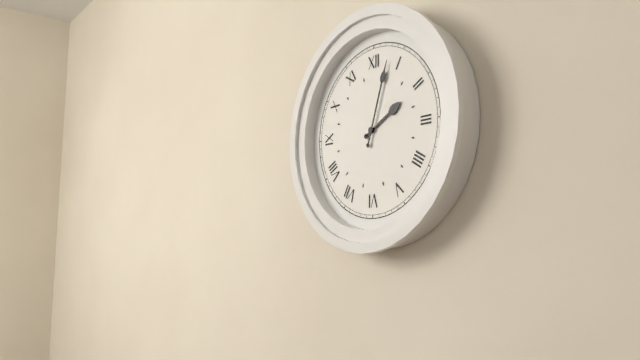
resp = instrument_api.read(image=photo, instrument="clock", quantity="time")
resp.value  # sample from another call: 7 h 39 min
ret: 2 h 03 min
